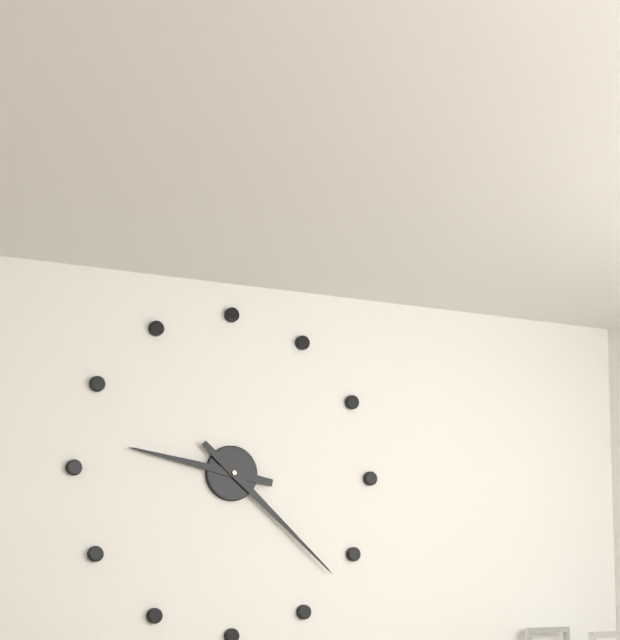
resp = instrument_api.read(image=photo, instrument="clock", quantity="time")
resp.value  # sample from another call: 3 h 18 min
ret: 9 h 22 min
